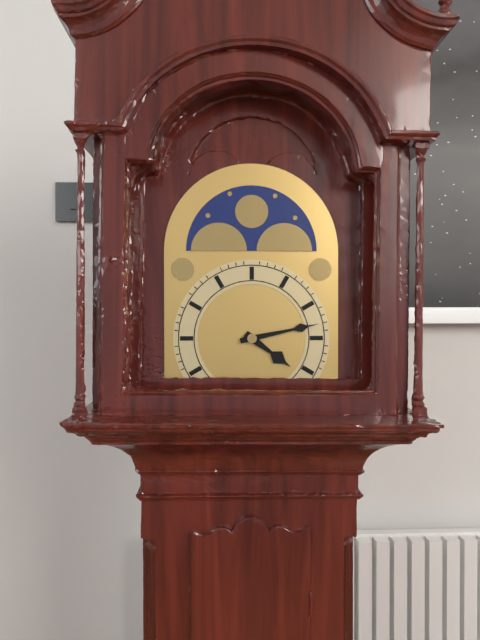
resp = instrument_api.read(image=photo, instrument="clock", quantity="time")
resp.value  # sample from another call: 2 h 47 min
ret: 4 h 13 min
